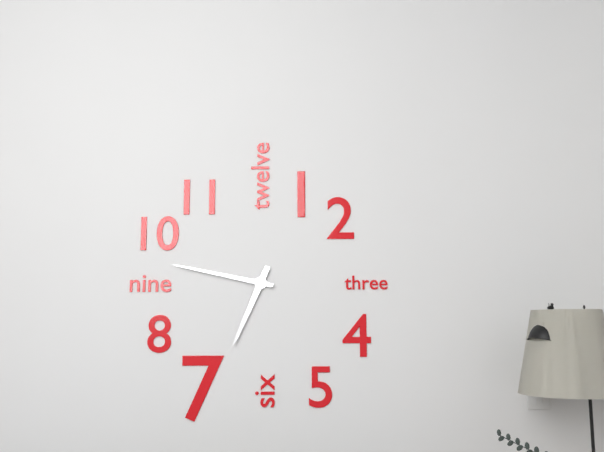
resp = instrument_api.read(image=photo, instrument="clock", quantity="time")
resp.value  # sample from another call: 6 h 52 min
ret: 6 h 47 min
